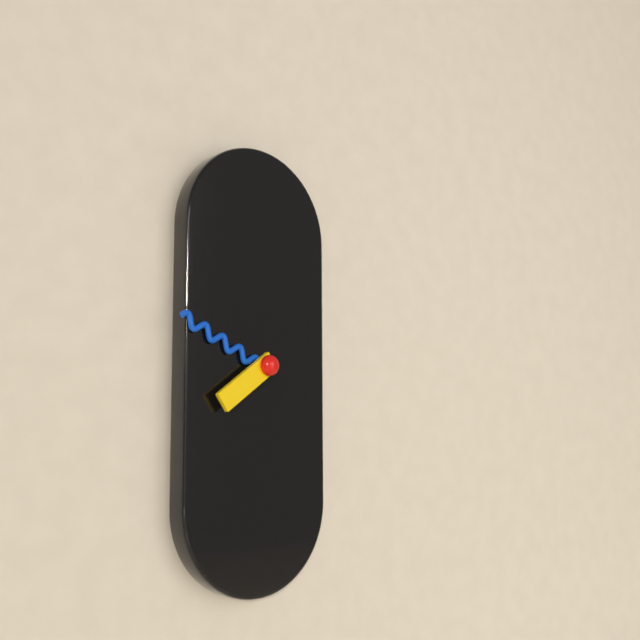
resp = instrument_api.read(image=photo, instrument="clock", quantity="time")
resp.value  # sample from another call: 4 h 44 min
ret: 7 h 49 min
